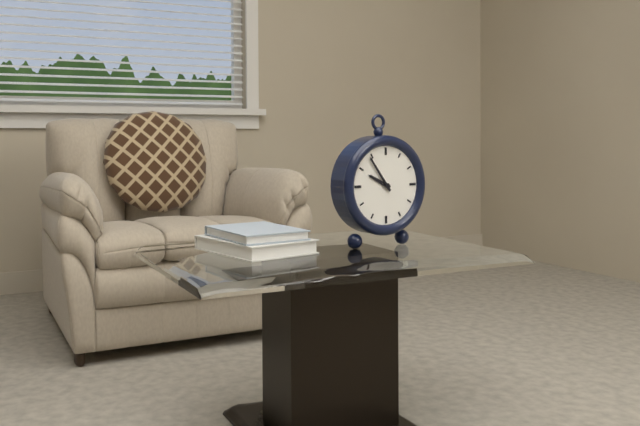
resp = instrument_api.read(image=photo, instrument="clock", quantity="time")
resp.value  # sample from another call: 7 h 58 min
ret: 9 h 54 min
